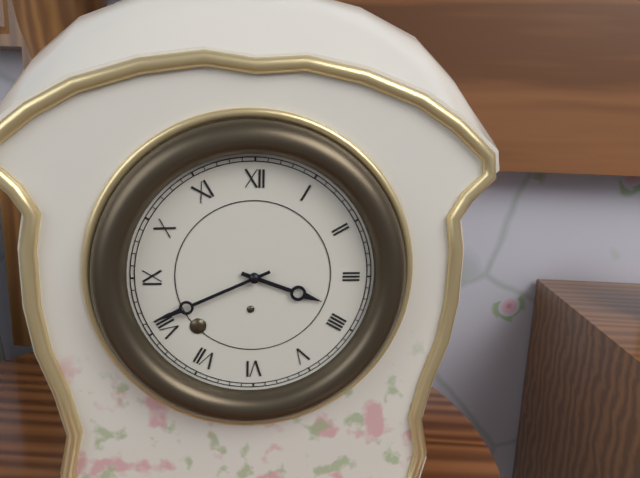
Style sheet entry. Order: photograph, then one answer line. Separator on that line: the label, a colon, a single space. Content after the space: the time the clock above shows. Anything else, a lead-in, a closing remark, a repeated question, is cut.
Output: 3:41
